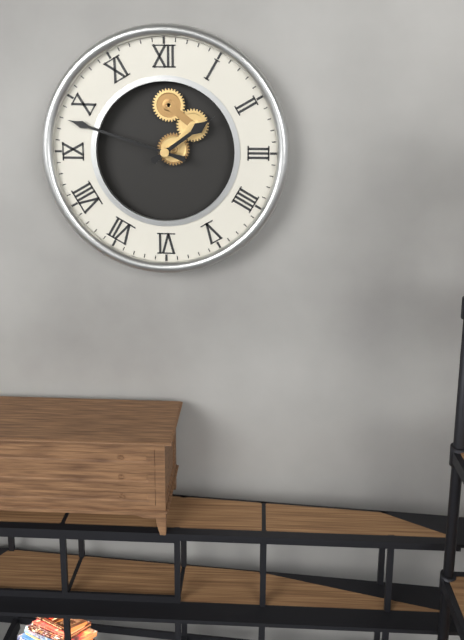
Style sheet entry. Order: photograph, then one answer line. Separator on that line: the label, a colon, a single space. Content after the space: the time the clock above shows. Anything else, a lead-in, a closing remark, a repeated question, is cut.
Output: 1:48
